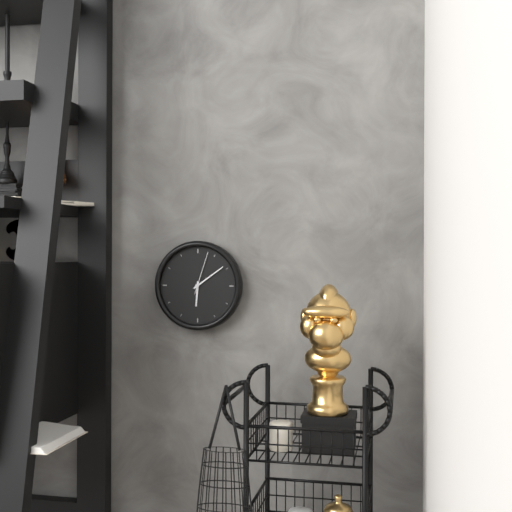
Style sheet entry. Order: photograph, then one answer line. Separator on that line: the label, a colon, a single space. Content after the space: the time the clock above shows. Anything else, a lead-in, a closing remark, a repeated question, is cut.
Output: 6:09
